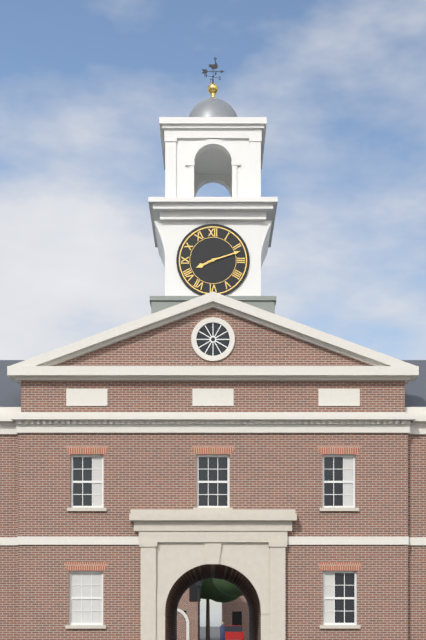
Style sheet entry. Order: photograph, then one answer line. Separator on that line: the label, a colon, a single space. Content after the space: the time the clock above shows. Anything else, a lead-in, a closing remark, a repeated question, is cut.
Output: 8:12
